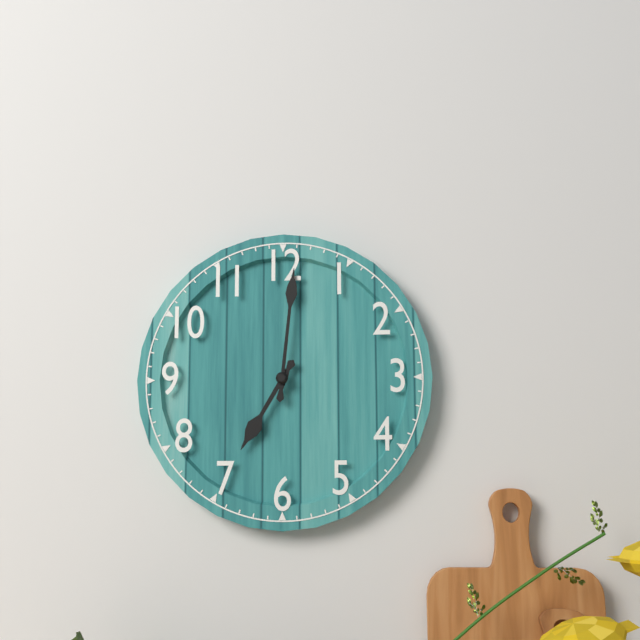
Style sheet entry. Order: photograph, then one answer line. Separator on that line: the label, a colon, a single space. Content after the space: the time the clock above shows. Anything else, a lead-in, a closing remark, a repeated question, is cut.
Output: 7:01
